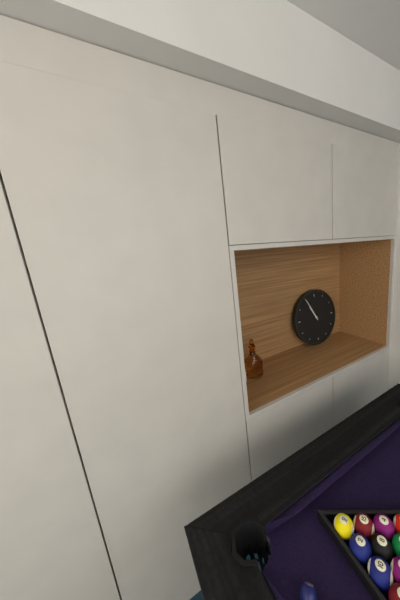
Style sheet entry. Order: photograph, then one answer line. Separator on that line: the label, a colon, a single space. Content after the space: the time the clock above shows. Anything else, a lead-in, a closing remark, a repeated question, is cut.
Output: 10:55
